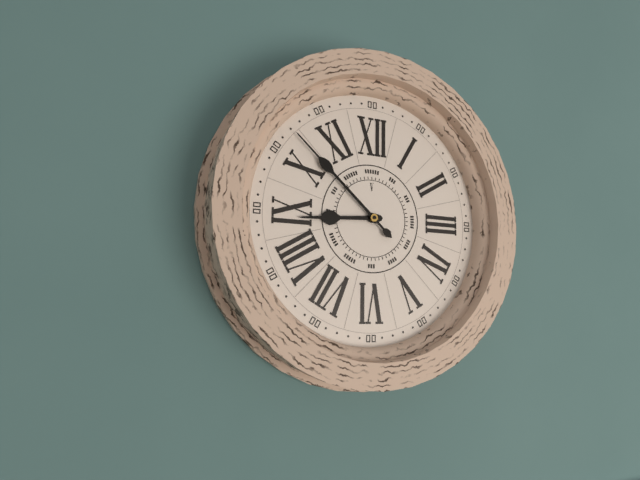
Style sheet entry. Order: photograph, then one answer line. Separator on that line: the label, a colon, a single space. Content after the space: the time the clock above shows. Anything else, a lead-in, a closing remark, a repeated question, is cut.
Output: 8:52
